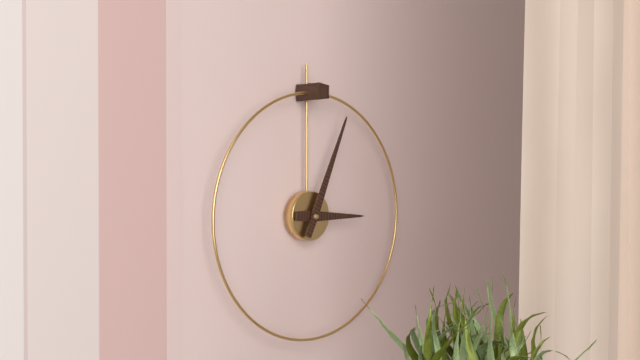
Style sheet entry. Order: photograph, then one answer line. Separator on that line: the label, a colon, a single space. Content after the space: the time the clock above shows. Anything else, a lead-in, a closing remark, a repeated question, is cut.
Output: 3:04
